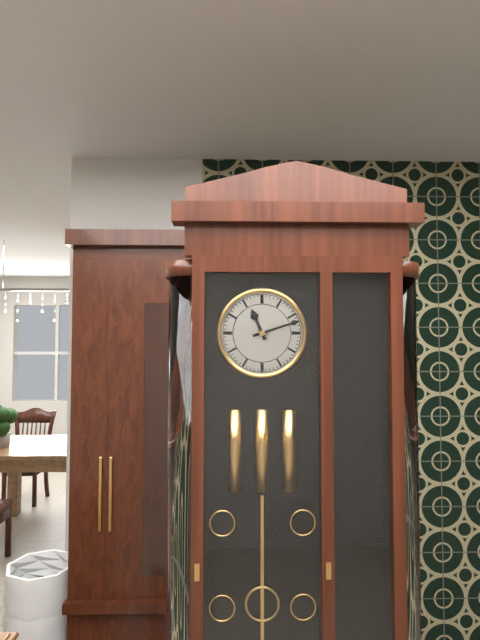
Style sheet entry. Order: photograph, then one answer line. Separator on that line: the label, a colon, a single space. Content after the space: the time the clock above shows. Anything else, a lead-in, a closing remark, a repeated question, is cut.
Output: 11:12
